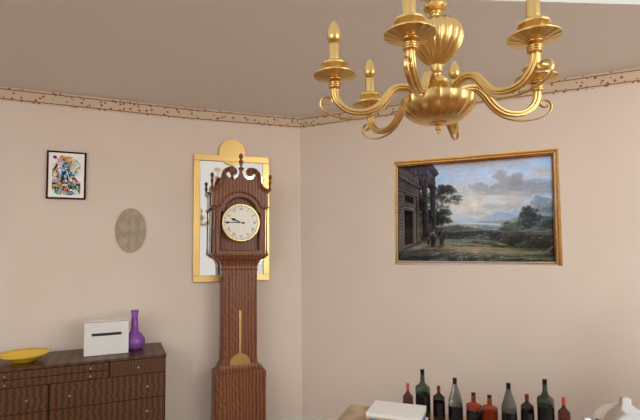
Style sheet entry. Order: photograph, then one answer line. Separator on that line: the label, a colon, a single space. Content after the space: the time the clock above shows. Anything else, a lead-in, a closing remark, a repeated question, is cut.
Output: 9:45
